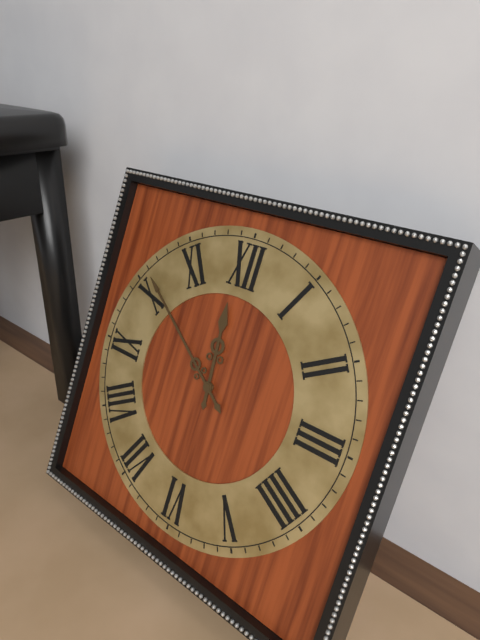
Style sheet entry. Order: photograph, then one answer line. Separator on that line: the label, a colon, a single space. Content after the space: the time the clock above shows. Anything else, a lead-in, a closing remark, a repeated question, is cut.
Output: 11:51
